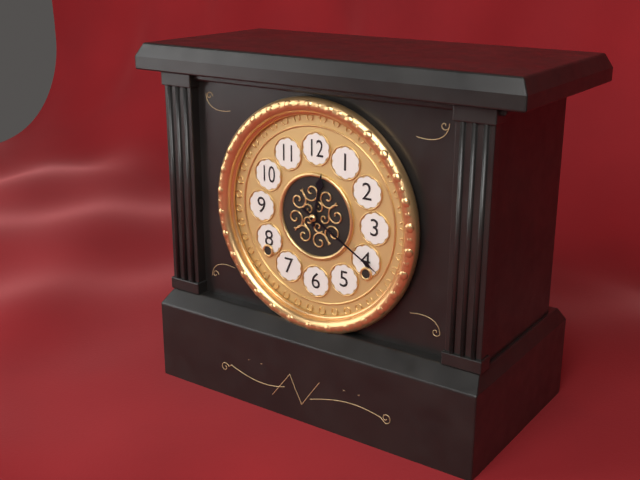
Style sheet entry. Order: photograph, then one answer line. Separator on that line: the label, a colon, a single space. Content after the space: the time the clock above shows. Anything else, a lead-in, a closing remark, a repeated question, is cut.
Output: 12:20
